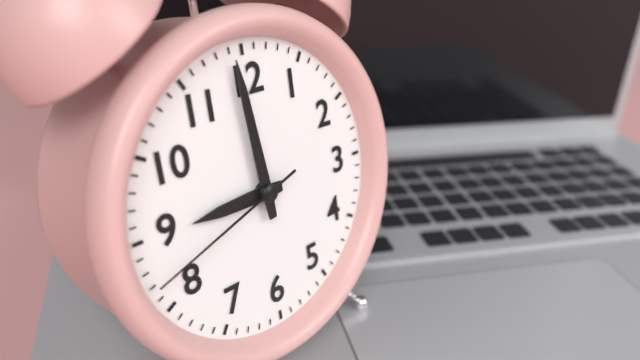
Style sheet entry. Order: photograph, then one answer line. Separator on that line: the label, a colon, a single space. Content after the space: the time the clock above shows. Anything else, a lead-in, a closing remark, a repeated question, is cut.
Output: 8:59:42
